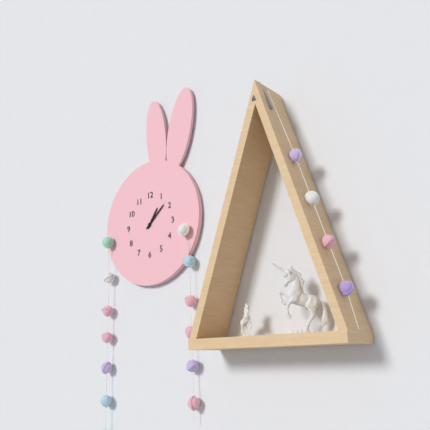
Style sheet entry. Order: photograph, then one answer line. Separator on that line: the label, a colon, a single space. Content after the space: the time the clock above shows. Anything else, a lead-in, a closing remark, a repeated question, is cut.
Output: 1:08
